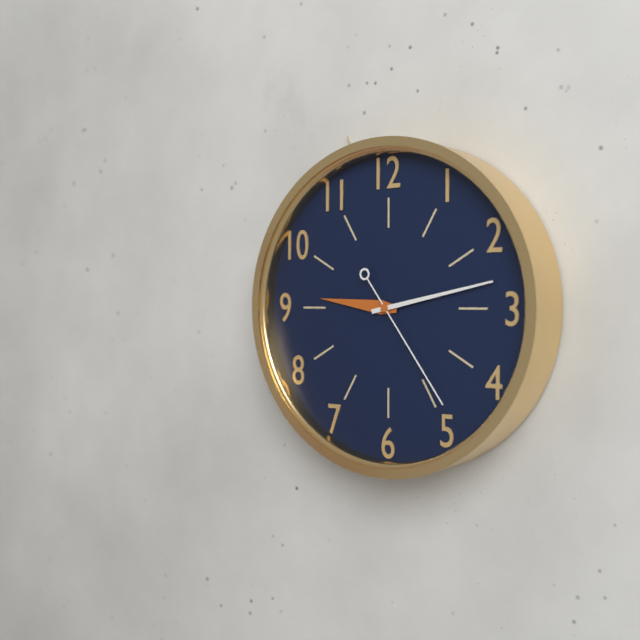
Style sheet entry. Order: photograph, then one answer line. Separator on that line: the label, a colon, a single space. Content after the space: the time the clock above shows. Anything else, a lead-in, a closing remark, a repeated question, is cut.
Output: 9:13:24
